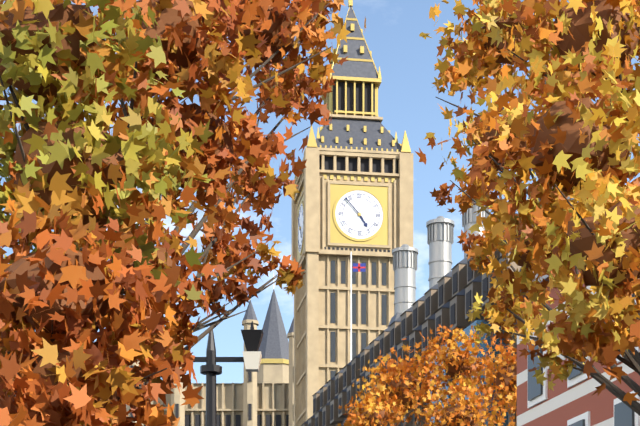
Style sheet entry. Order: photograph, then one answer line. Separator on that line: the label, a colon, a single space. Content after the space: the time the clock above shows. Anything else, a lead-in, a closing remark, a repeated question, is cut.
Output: 4:53
